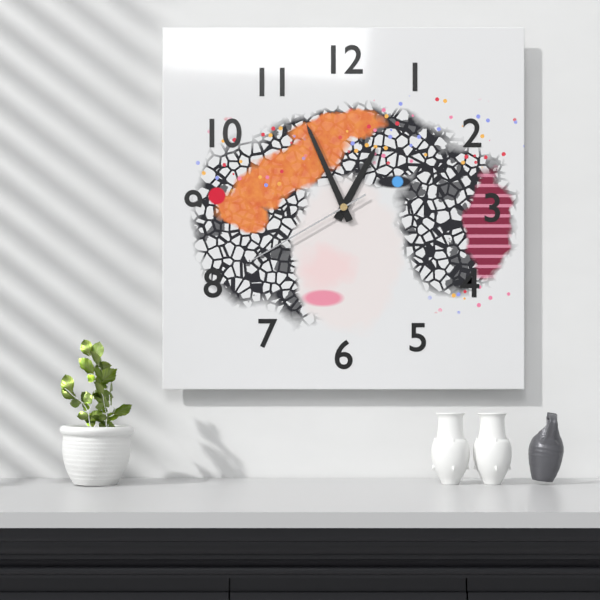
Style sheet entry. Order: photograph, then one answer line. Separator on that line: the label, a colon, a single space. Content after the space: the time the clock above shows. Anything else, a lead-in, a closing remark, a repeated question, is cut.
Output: 12:56:40
